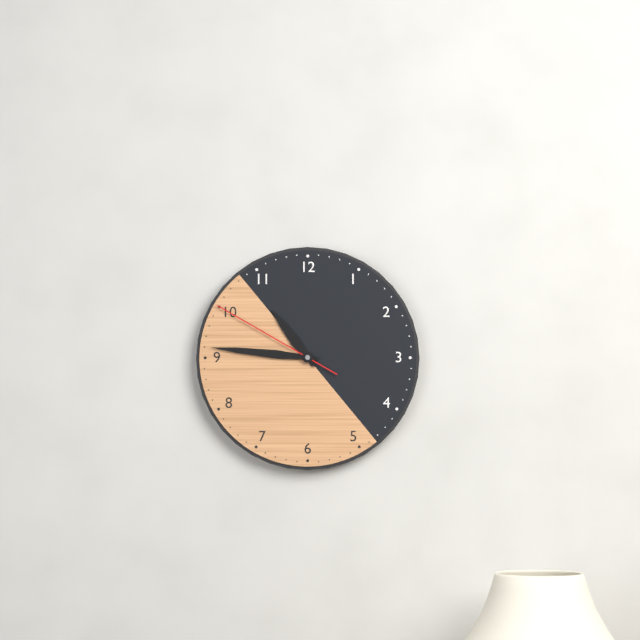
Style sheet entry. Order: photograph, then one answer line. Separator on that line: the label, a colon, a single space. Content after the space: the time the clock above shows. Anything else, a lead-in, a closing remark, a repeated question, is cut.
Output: 10:46:50
